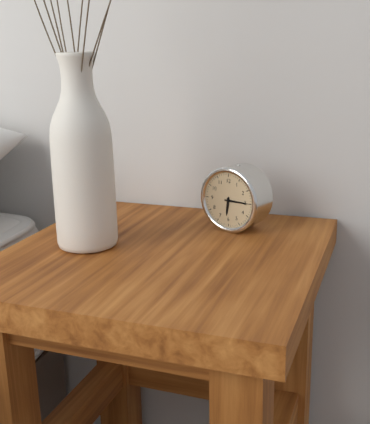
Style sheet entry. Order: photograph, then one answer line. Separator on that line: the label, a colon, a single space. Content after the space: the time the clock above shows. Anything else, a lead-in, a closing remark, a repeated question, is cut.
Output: 6:15
